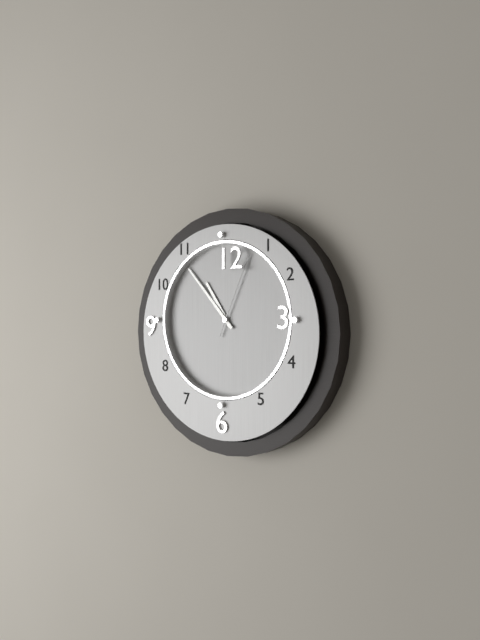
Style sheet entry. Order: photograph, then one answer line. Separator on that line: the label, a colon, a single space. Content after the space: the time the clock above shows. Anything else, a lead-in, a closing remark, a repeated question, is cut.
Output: 10:53:04
